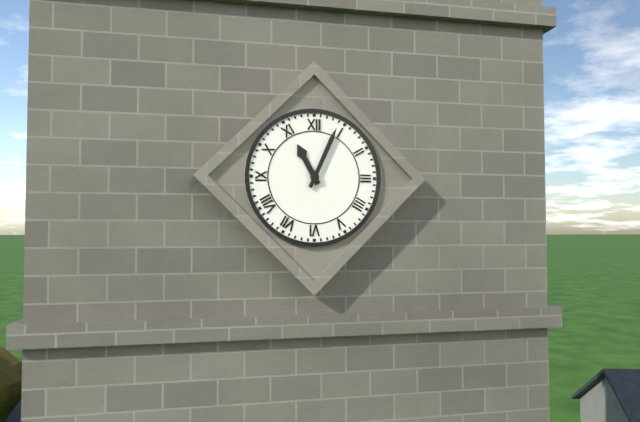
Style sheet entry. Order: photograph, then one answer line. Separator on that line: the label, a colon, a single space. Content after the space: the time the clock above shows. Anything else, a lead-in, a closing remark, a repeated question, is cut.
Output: 11:04
